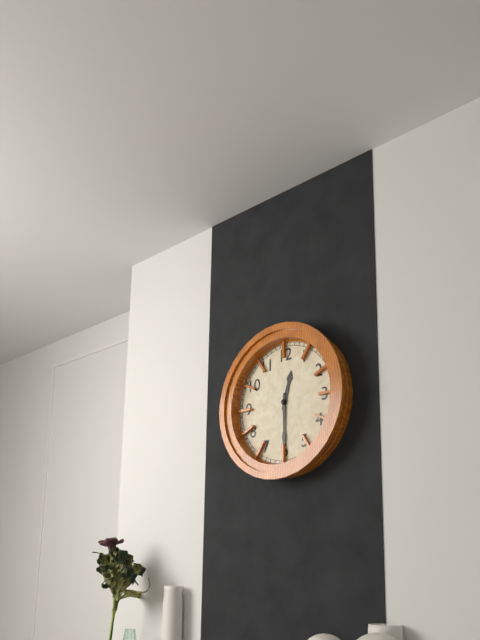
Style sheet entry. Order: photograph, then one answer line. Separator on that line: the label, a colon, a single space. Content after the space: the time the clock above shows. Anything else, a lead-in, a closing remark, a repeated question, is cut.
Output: 12:30
